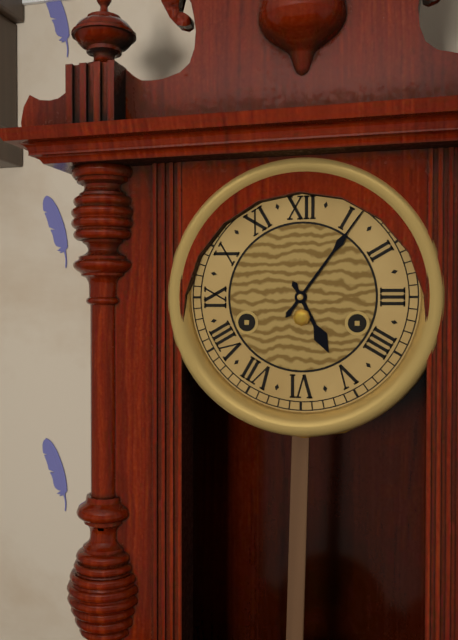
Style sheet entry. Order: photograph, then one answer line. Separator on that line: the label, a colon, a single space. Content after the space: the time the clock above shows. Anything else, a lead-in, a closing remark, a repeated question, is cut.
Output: 5:06
